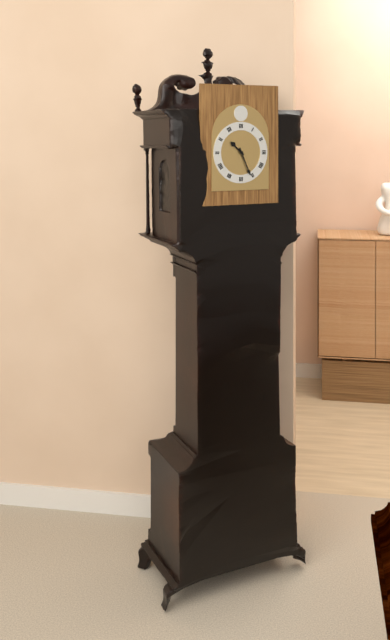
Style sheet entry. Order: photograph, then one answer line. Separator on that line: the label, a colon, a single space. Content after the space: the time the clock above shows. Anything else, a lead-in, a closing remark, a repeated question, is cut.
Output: 10:26
